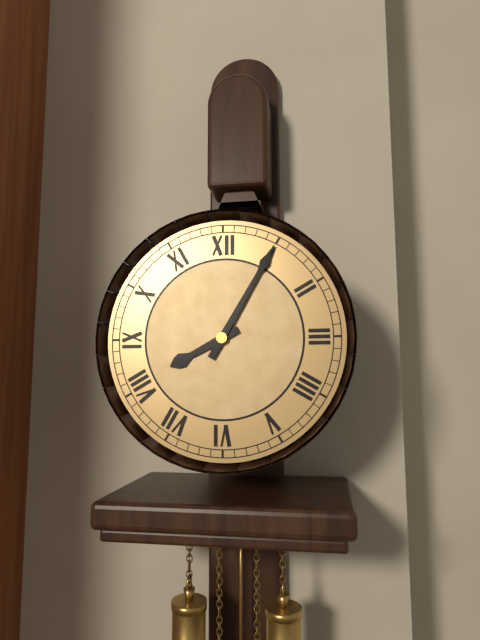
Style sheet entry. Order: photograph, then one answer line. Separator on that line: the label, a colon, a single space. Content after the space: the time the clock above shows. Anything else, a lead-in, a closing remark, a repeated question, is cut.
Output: 8:05
